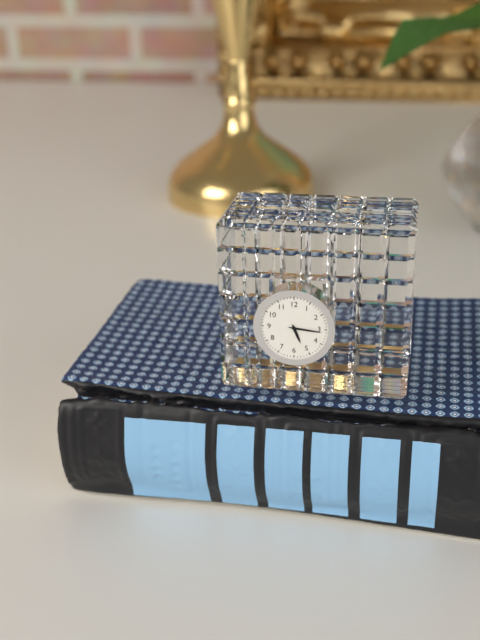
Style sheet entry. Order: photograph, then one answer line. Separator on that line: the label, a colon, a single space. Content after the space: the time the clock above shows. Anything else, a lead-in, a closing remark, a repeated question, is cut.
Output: 5:16
